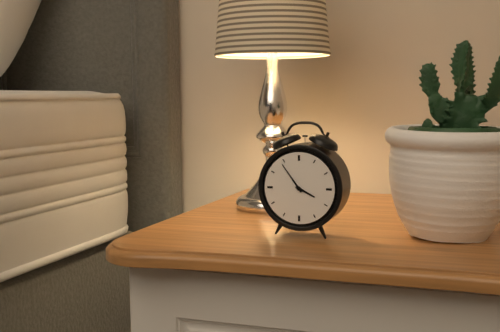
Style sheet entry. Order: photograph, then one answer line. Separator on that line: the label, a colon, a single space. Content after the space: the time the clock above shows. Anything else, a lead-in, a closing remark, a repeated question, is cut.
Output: 3:54
